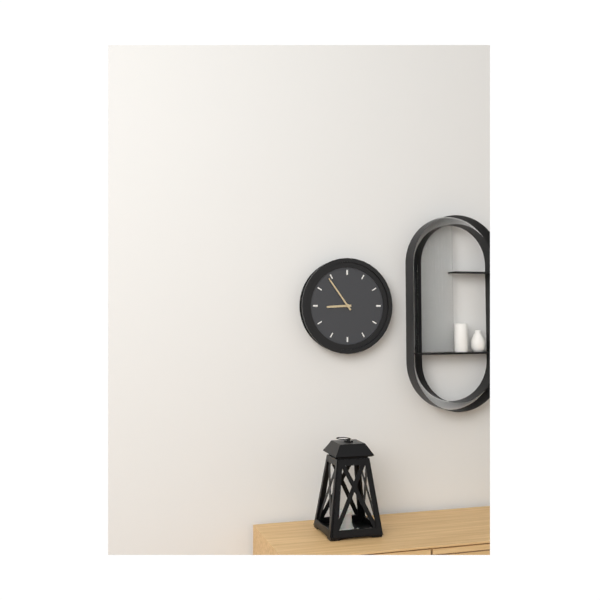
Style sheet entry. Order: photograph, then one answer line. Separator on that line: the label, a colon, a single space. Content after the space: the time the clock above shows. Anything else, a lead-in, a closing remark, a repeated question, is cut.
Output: 8:54
